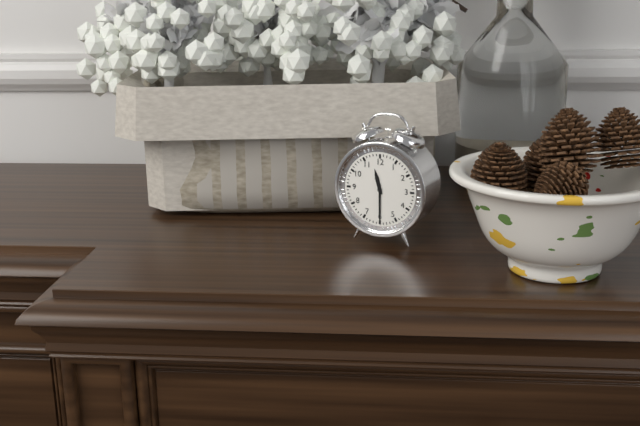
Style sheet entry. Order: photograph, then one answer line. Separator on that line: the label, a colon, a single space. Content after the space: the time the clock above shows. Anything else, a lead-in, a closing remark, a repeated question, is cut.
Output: 11:30
